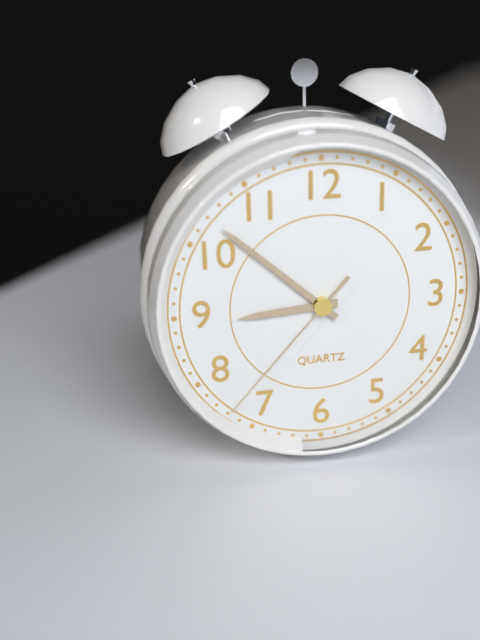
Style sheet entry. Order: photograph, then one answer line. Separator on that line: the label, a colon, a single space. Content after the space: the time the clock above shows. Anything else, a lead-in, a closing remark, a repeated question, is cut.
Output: 8:52:37
